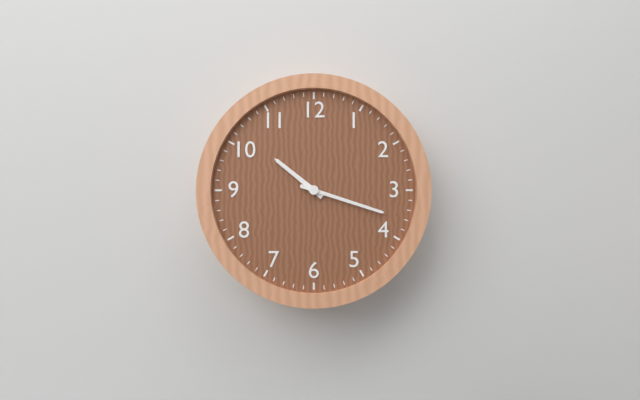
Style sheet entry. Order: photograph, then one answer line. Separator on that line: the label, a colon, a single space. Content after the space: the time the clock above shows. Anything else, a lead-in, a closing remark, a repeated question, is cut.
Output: 10:18
